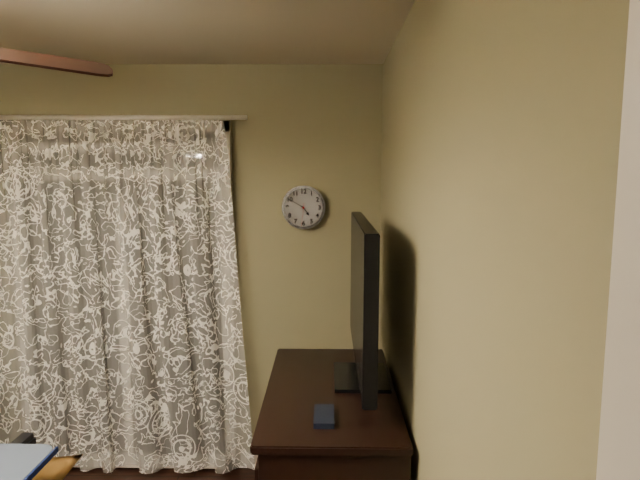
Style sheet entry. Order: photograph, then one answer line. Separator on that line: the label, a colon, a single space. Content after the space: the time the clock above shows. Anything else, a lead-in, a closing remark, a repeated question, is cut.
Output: 4:50
